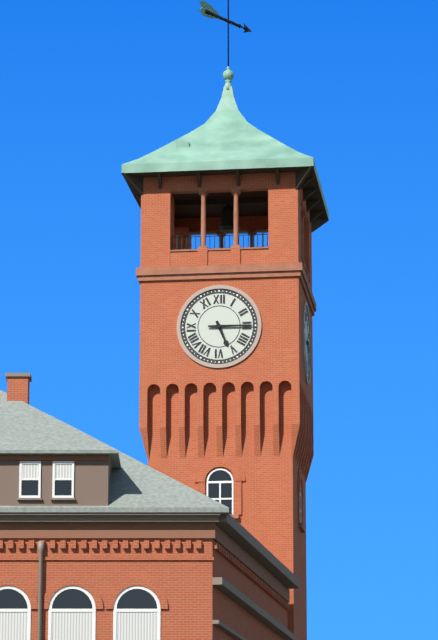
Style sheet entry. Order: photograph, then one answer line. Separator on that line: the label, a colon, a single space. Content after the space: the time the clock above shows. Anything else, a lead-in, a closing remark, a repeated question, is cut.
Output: 5:15
